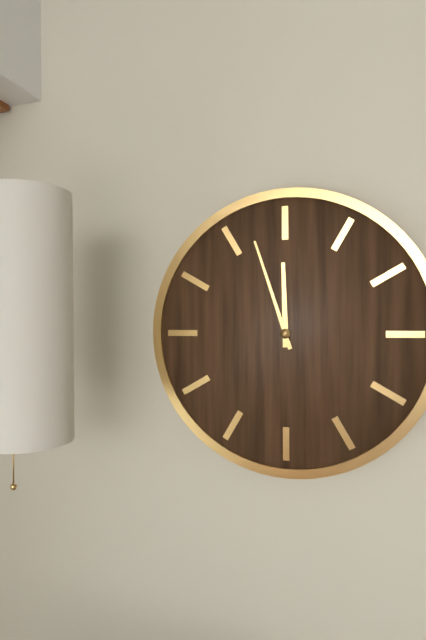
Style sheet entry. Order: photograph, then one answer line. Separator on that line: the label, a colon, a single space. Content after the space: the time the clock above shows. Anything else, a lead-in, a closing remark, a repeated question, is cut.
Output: 11:57
